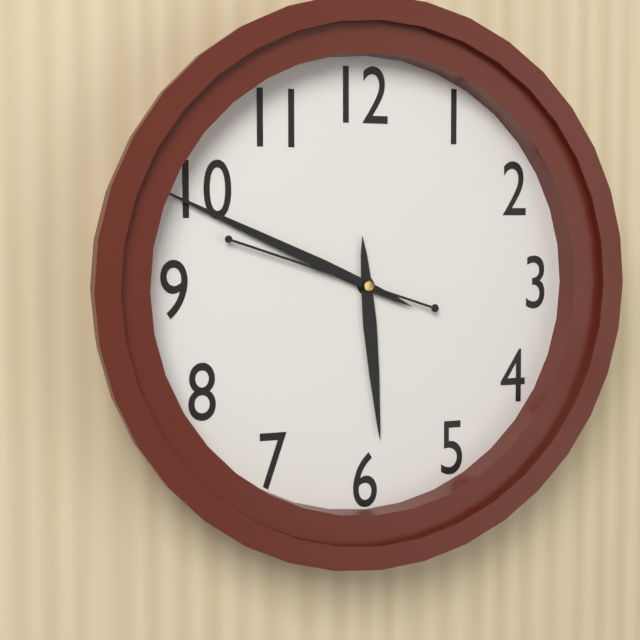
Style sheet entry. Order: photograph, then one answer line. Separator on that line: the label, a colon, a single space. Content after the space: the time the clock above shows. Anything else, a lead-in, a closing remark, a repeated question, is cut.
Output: 5:49:48
